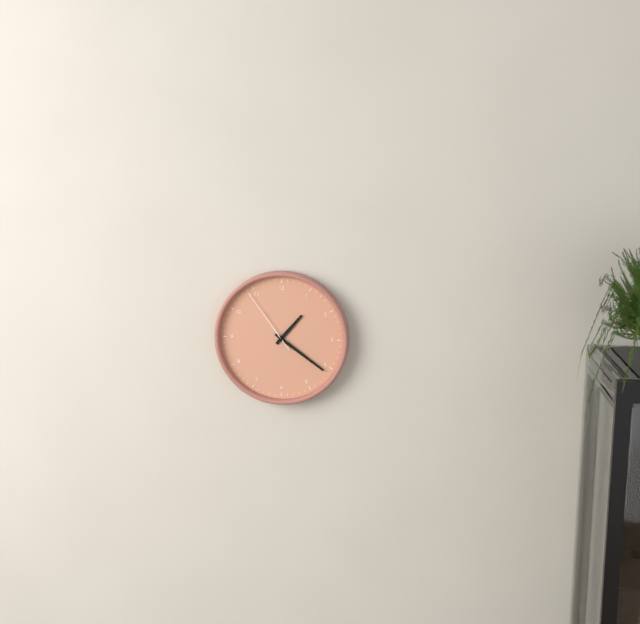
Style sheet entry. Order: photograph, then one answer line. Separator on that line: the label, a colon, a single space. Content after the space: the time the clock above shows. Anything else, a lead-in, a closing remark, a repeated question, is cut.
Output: 1:21:54
